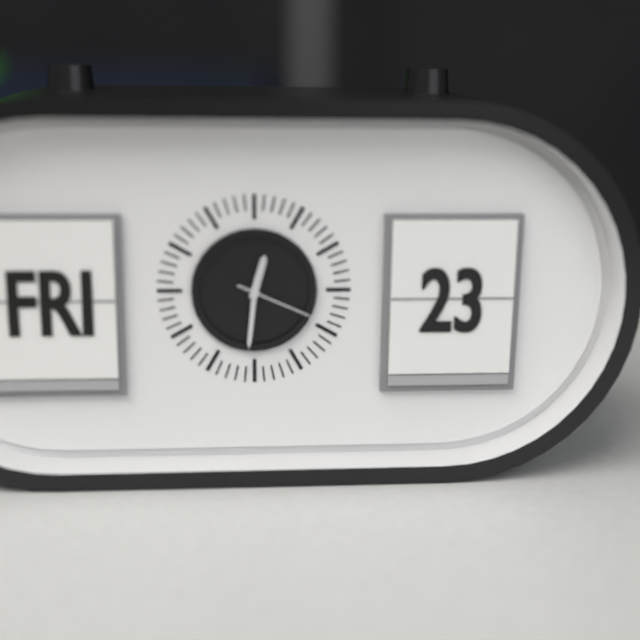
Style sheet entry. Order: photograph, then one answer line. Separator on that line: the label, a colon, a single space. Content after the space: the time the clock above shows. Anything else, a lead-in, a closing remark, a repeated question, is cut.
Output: 12:31:19
